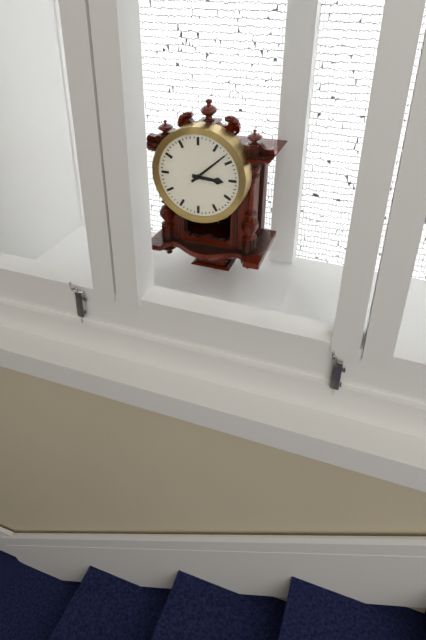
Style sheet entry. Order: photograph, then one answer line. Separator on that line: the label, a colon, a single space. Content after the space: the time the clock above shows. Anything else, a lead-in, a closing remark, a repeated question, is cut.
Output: 3:08
